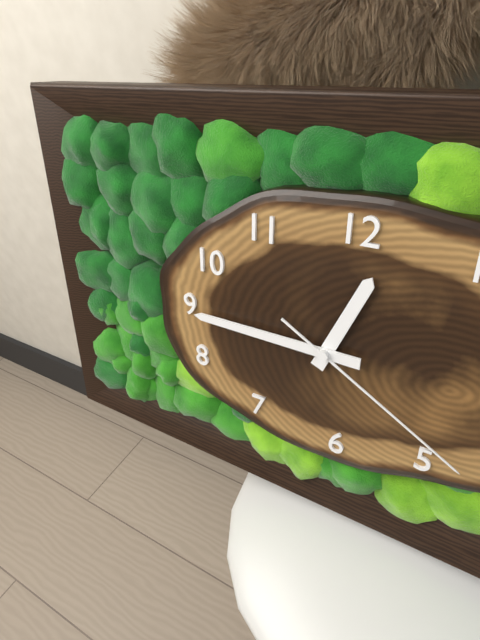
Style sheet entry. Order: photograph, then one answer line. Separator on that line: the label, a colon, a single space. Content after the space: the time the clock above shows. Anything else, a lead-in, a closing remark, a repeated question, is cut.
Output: 12:45:20
